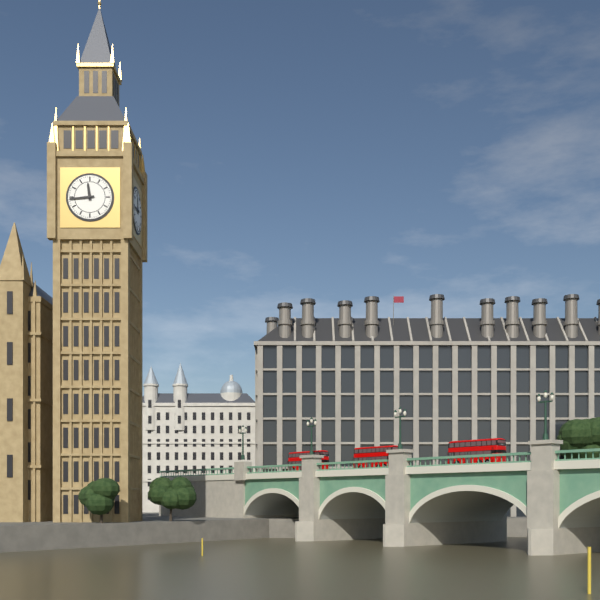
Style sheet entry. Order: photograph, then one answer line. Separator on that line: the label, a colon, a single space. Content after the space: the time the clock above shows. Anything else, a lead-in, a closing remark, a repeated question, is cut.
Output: 11:44
